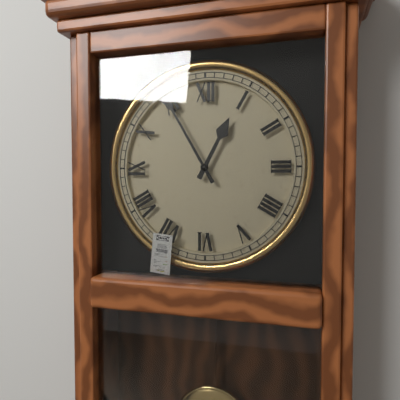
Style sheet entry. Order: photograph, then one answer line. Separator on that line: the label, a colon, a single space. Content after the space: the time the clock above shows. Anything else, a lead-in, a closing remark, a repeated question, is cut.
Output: 12:55
